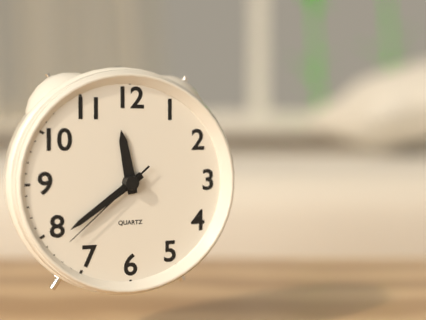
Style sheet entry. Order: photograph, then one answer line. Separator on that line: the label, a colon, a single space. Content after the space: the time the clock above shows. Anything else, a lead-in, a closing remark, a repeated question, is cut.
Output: 11:39:38
